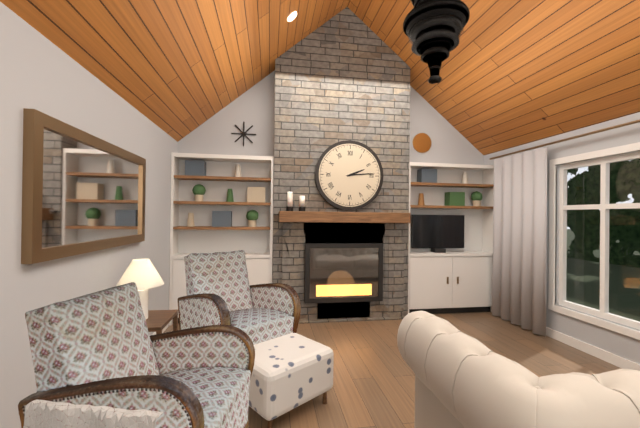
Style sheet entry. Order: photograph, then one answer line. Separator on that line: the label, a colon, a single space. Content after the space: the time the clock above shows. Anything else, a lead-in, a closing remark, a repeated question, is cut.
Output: 2:14
